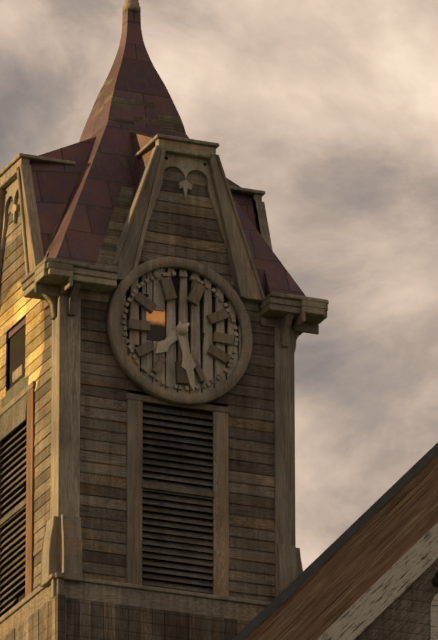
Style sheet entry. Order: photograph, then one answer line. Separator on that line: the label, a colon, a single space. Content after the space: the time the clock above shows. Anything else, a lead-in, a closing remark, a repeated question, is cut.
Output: 7:28
